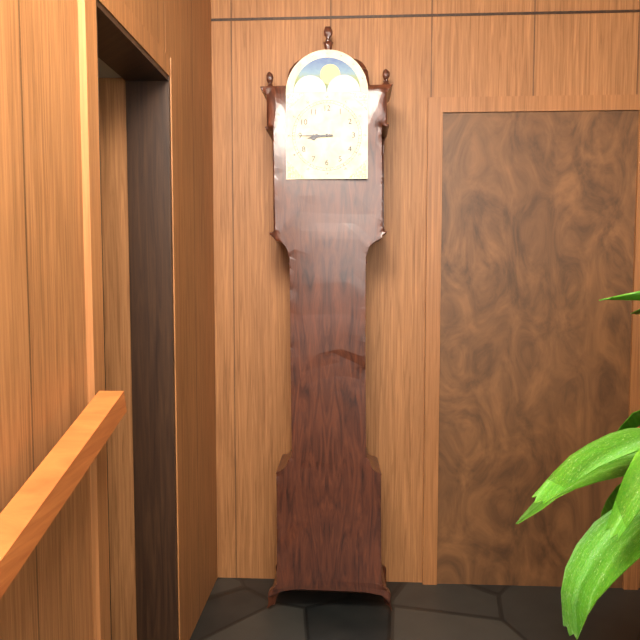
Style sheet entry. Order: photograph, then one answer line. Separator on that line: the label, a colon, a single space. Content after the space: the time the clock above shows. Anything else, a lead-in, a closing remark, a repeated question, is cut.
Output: 8:45
